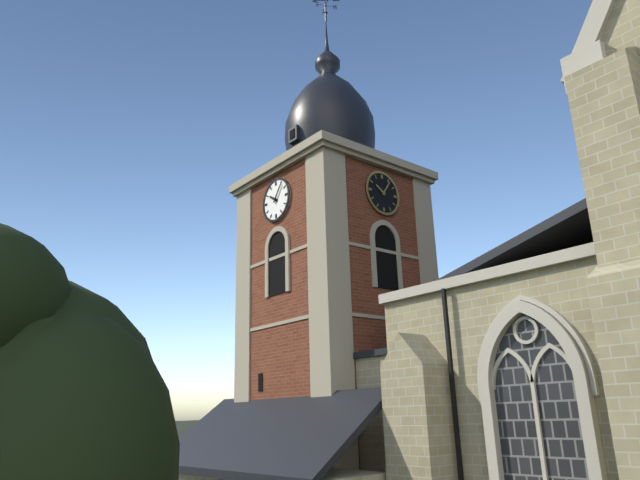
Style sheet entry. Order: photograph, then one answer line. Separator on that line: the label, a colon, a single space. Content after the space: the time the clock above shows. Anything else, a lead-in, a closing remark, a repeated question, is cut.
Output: 10:06
